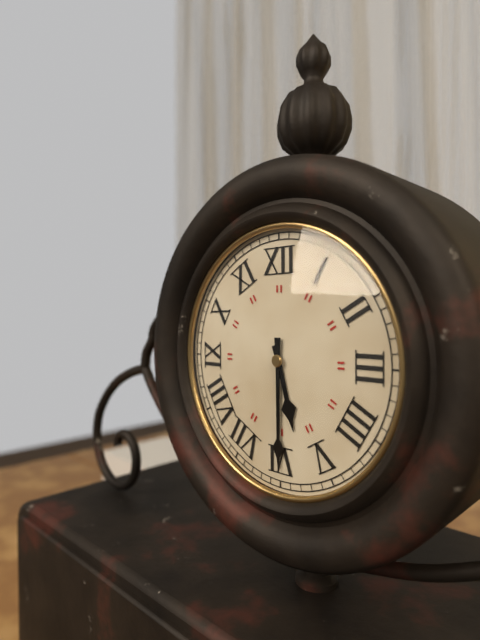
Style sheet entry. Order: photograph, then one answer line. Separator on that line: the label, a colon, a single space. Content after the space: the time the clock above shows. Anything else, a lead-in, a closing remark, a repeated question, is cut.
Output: 5:30
